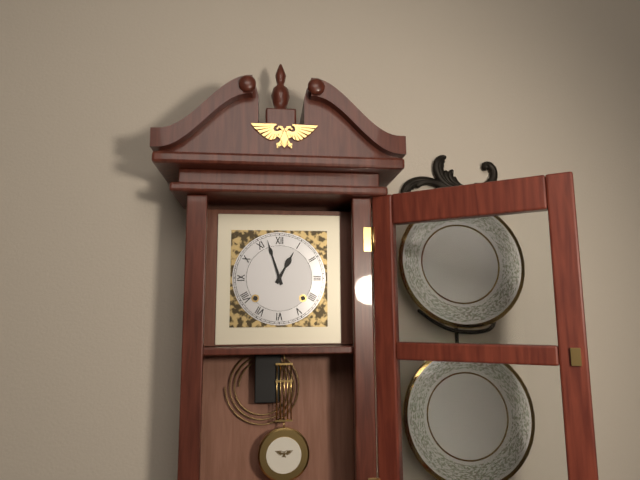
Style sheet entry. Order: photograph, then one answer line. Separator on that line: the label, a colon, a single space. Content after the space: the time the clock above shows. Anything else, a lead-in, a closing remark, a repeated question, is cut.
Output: 12:57
